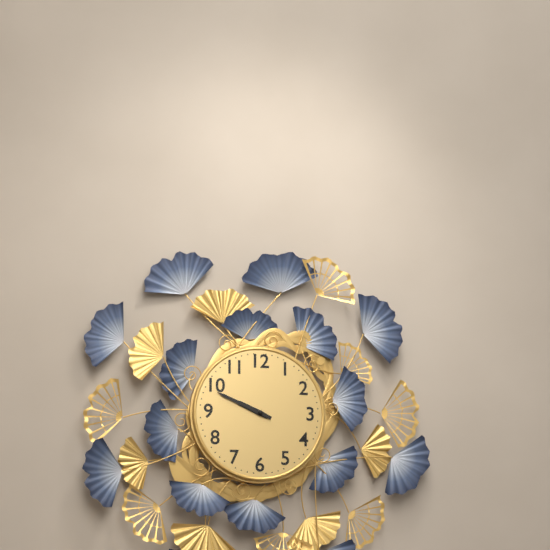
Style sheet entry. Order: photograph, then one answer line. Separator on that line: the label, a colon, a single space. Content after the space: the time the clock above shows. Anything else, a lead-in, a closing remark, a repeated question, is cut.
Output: 9:49
